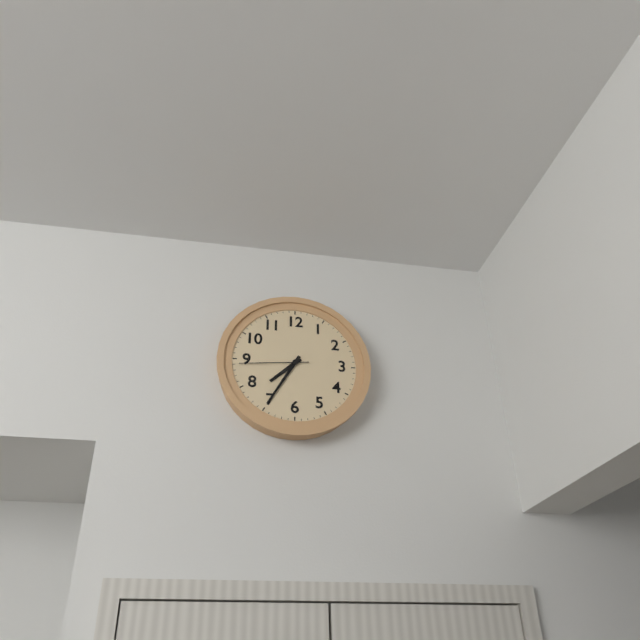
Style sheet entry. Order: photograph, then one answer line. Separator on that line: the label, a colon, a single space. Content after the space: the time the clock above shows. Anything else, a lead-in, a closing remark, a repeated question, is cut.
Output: 7:35:44
